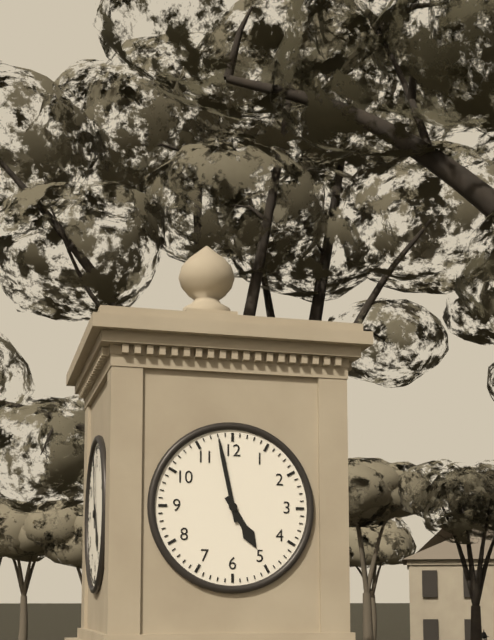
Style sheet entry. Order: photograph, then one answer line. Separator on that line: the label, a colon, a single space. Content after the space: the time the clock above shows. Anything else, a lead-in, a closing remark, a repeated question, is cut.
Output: 4:58
